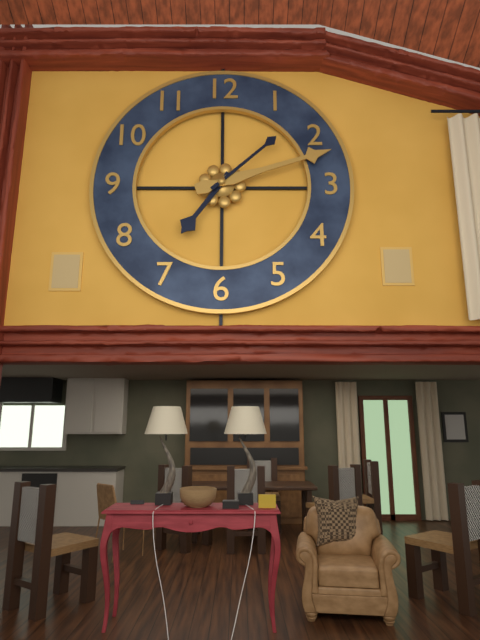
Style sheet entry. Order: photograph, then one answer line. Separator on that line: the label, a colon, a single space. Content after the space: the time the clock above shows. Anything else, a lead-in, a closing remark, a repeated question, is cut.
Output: 7:12:08
